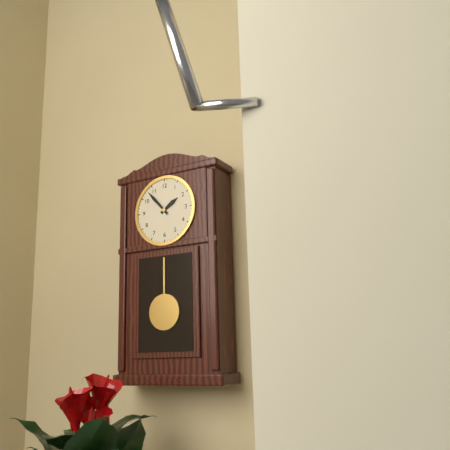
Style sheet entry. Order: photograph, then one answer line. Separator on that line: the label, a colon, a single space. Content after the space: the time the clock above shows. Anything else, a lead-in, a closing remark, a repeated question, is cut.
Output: 1:53
